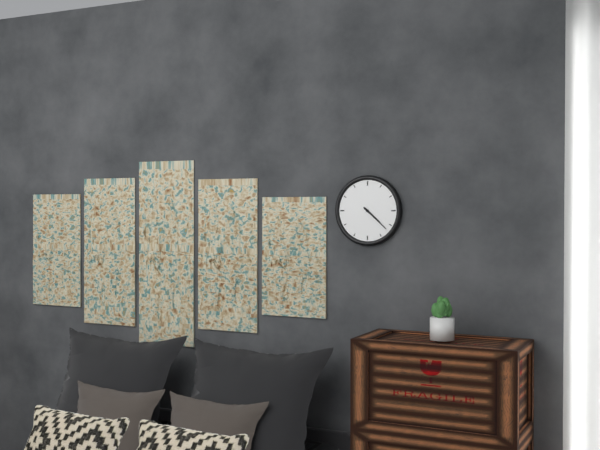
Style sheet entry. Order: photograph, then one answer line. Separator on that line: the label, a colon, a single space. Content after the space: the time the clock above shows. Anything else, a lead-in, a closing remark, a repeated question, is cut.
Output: 4:22
